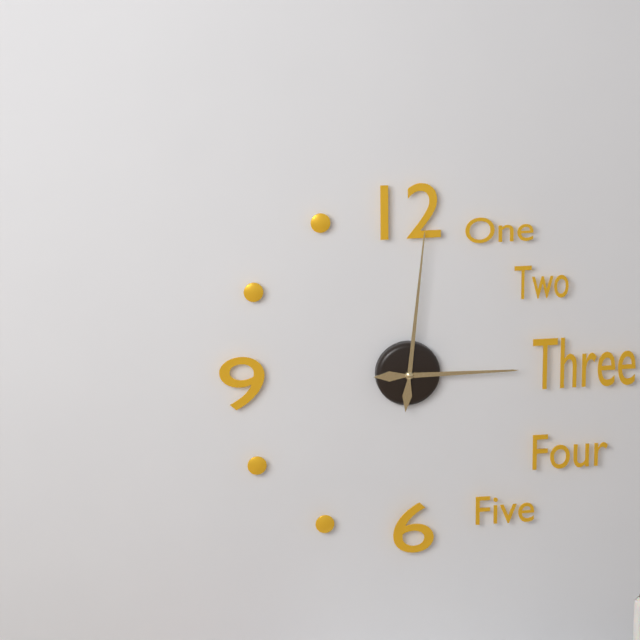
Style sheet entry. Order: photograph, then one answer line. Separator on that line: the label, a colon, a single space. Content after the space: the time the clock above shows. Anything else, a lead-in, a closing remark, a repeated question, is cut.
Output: 3:01
